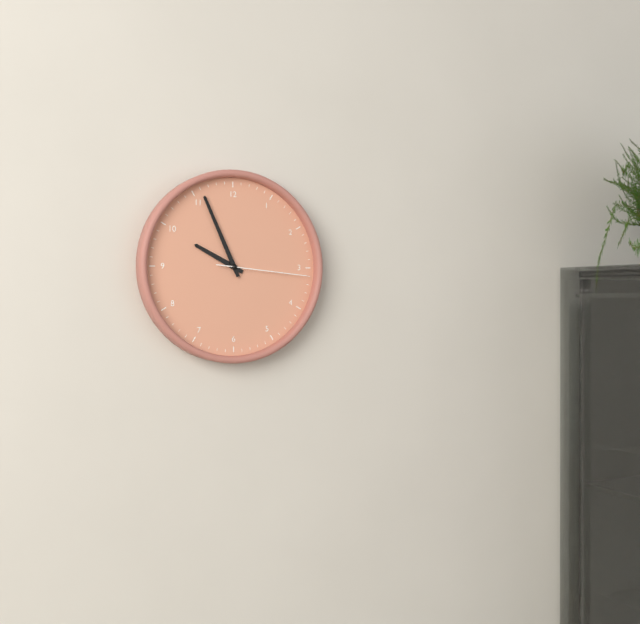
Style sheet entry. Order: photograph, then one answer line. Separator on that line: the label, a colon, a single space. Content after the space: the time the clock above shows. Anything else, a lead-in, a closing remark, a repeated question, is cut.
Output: 9:56:16
